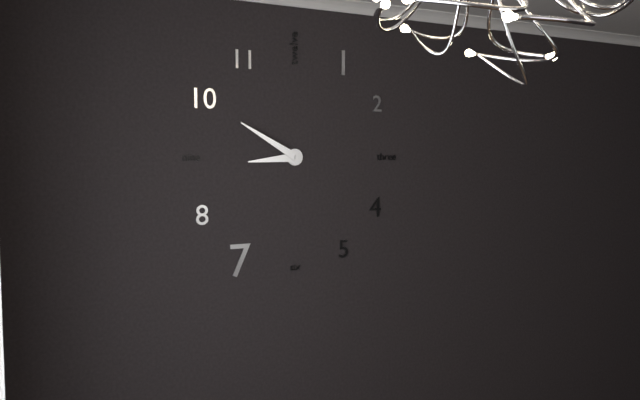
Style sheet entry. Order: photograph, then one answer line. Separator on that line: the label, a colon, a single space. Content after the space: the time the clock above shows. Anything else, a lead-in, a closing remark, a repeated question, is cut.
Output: 8:50
